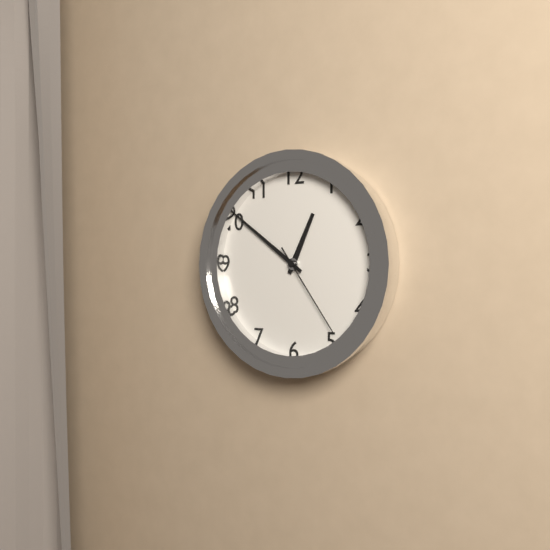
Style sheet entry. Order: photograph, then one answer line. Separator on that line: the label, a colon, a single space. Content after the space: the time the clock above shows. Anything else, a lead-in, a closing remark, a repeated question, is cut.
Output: 12:51:24
